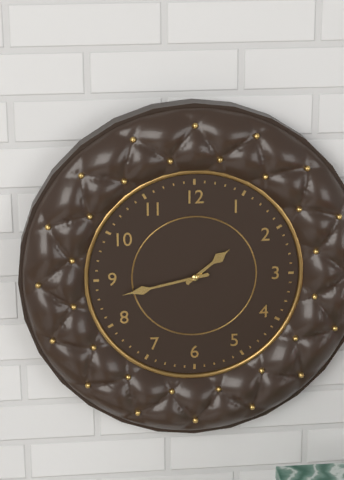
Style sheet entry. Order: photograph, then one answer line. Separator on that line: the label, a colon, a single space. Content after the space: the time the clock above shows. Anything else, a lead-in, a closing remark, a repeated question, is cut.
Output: 1:43
